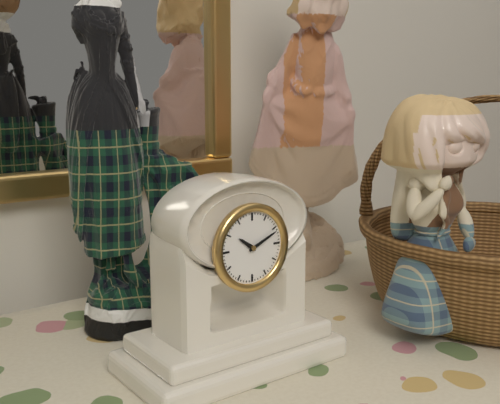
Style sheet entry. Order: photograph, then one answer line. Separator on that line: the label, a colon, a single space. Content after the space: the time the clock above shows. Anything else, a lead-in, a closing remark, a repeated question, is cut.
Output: 10:11
